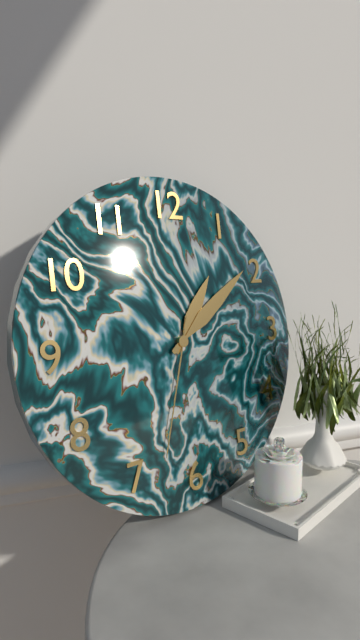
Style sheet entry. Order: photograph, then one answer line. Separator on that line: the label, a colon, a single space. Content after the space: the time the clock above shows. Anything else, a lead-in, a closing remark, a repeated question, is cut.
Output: 1:09:33
